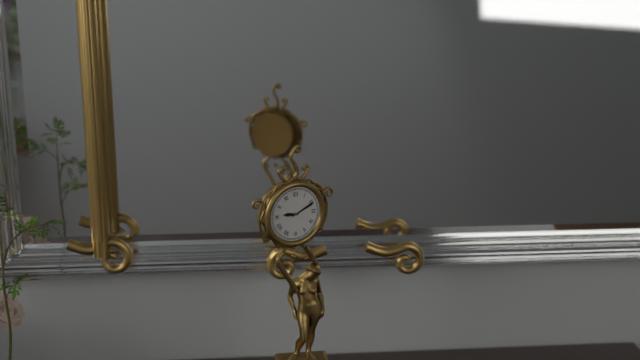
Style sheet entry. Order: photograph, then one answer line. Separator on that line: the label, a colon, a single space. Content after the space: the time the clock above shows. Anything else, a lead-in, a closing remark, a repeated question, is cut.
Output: 9:11
